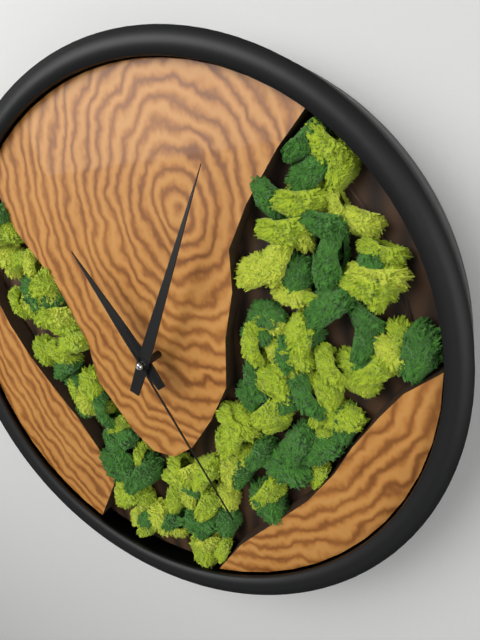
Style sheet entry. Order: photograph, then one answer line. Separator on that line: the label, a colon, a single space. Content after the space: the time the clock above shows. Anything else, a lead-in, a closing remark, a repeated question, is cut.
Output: 11:05:26
